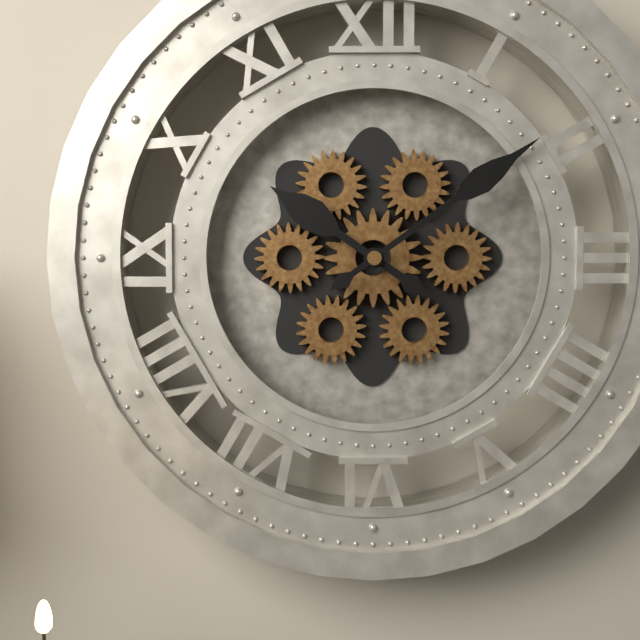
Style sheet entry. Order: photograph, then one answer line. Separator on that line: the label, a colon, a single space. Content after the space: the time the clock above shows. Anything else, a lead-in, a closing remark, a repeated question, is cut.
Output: 10:09
